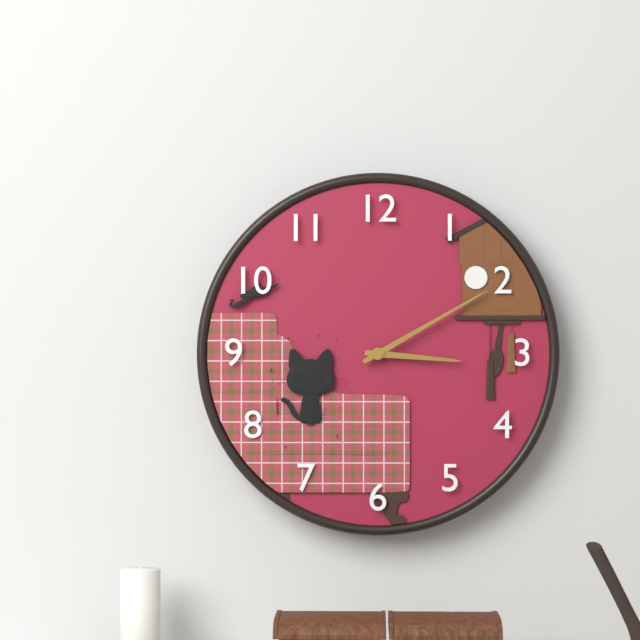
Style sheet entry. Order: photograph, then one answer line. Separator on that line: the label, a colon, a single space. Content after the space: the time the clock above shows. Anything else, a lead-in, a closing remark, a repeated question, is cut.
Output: 3:10
